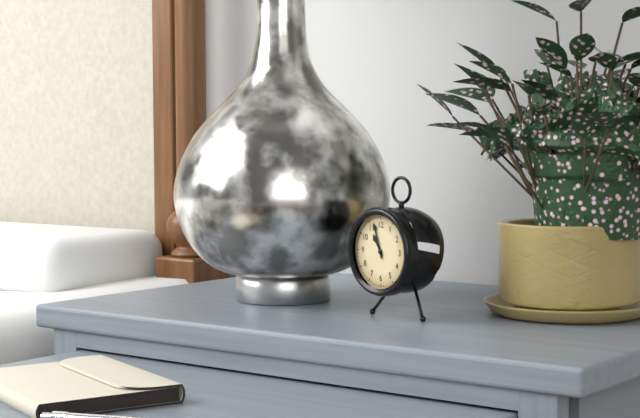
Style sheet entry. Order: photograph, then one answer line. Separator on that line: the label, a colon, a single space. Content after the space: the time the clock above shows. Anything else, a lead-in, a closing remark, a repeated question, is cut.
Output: 10:57
